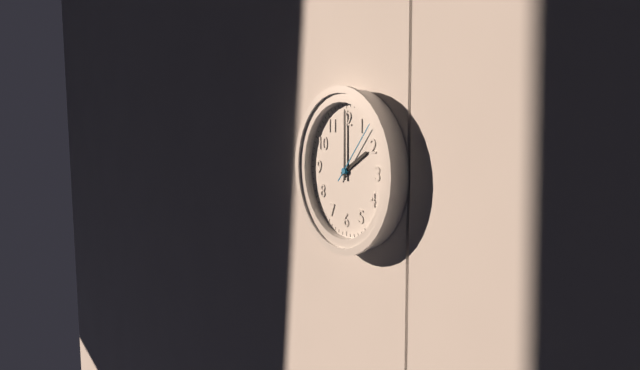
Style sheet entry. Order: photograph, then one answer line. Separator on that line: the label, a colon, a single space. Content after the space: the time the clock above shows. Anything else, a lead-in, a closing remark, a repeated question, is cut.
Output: 2:00:07
